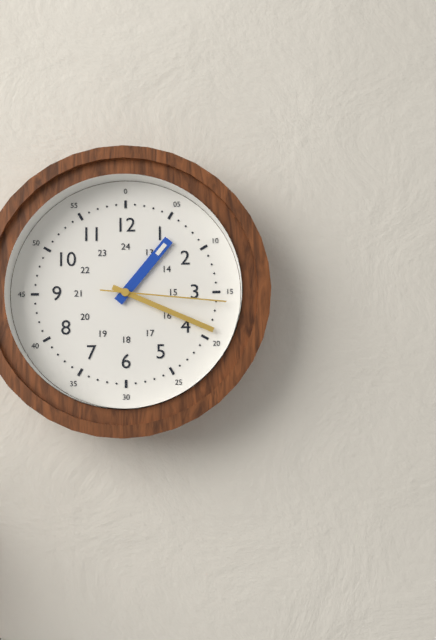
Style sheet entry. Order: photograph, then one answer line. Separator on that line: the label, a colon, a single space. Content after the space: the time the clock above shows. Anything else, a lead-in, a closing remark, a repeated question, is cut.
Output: 1:19:16
